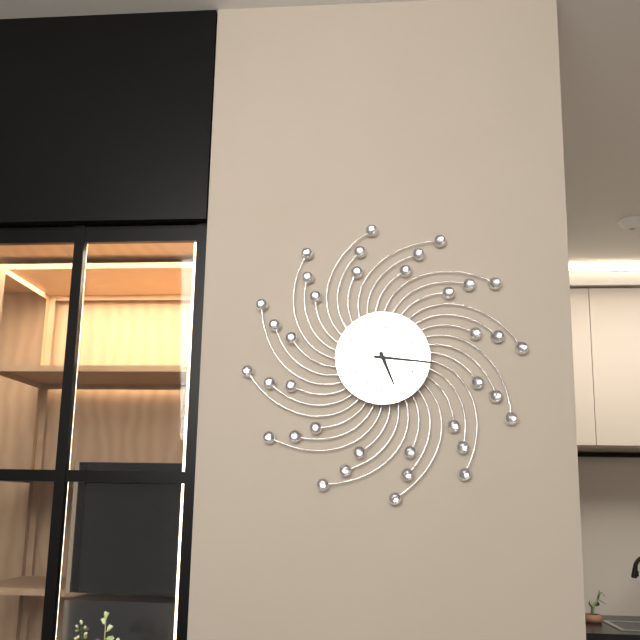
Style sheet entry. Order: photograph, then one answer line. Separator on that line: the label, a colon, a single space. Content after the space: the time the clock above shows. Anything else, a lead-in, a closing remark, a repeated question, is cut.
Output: 5:16
